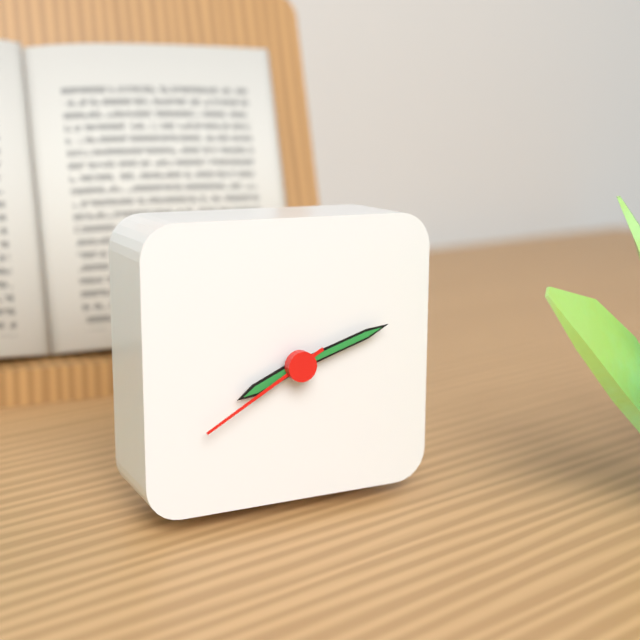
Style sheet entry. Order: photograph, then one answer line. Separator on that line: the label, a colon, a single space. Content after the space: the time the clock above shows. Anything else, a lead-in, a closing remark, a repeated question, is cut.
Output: 8:12:40
